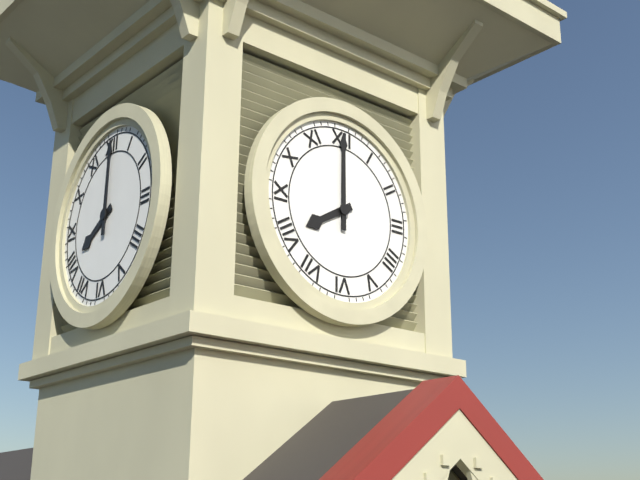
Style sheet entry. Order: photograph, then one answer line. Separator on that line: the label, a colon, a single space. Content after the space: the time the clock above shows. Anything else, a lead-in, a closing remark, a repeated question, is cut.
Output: 8:00
